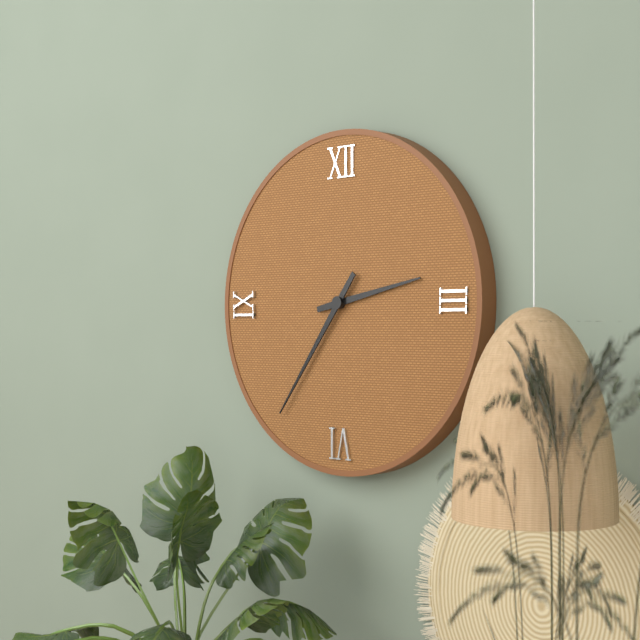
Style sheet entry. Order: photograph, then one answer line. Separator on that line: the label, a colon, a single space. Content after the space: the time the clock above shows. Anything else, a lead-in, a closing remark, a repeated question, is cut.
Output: 2:36
